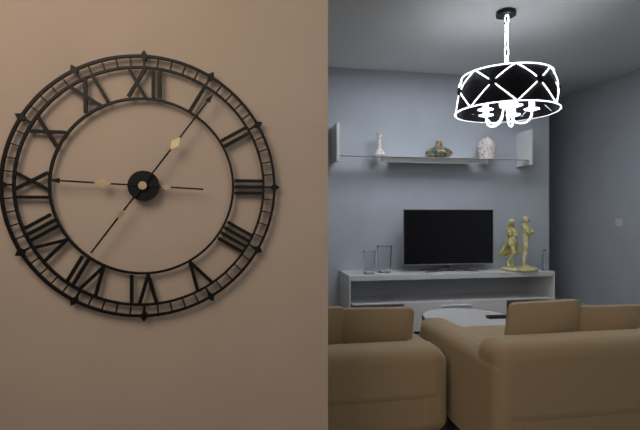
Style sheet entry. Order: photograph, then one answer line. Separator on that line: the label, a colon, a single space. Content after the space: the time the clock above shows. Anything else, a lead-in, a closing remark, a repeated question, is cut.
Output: 9:06
